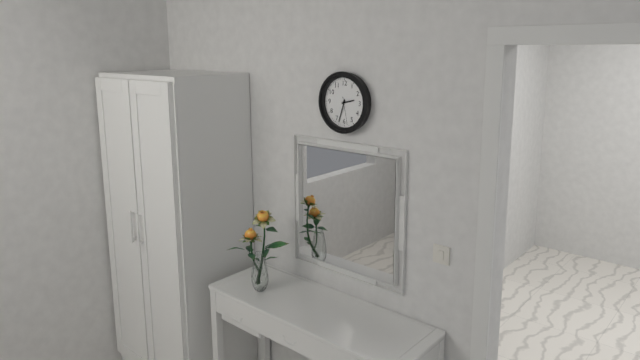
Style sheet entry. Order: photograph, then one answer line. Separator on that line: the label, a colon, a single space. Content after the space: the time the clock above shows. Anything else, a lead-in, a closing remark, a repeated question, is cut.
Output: 2:33
